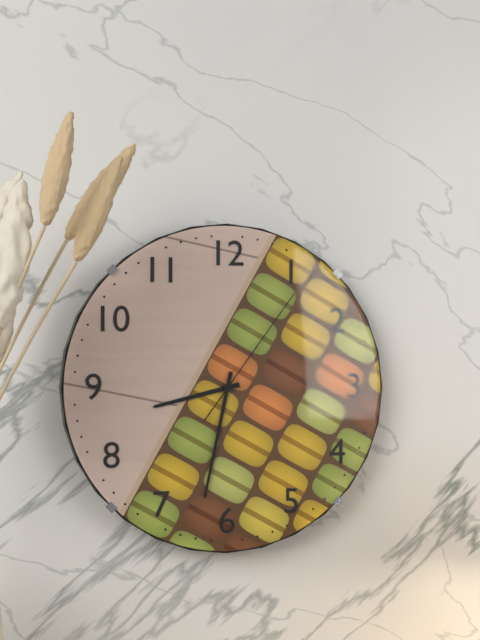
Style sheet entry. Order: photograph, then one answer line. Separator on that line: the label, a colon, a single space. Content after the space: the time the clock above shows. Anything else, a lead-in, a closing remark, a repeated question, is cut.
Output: 8:32:06
